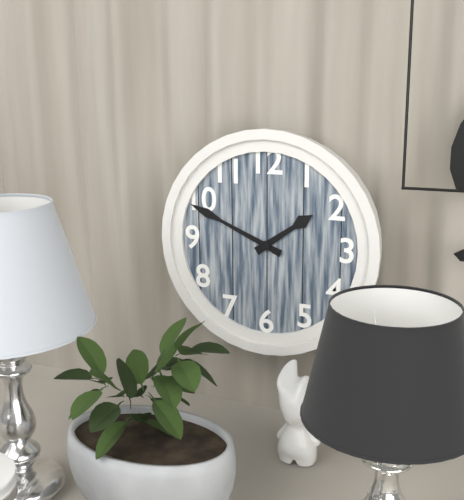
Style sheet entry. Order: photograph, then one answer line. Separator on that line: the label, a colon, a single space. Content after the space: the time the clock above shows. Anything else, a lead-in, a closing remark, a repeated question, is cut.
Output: 1:49
